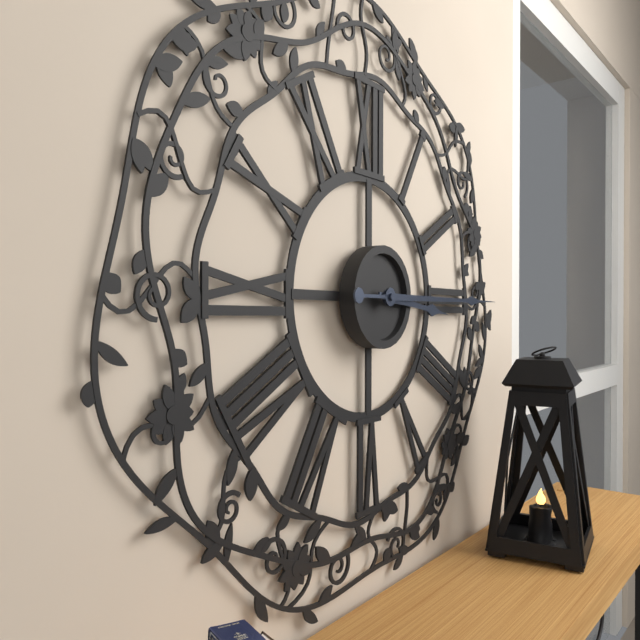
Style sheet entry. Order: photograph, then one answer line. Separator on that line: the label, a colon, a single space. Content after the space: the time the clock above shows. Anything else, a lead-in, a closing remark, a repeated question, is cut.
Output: 3:15
